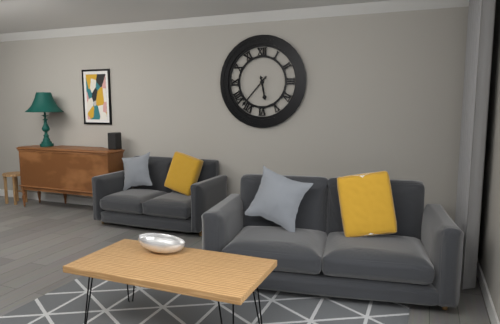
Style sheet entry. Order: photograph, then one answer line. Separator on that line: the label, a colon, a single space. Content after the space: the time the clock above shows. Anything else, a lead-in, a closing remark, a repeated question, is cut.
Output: 5:37
